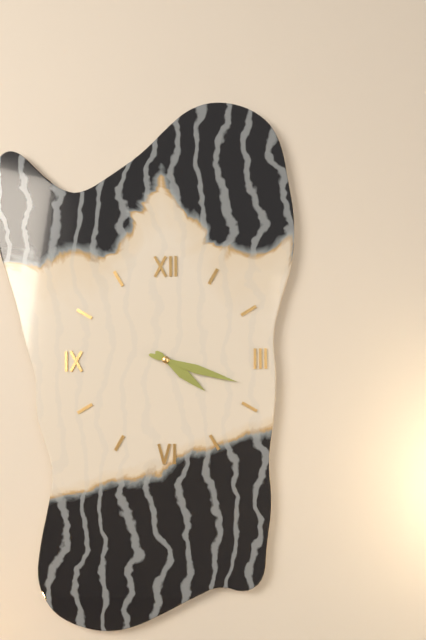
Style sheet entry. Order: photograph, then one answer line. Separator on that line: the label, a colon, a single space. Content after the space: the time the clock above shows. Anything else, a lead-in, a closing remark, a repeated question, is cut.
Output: 4:18
